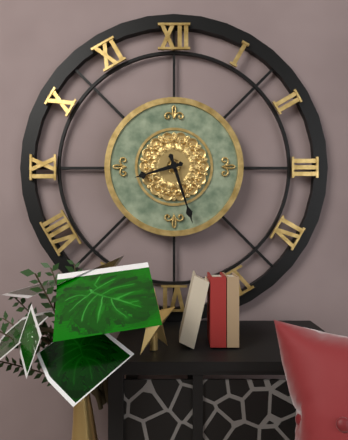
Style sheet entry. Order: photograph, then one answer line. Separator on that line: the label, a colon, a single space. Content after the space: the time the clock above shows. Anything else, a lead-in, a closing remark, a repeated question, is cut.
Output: 8:27
